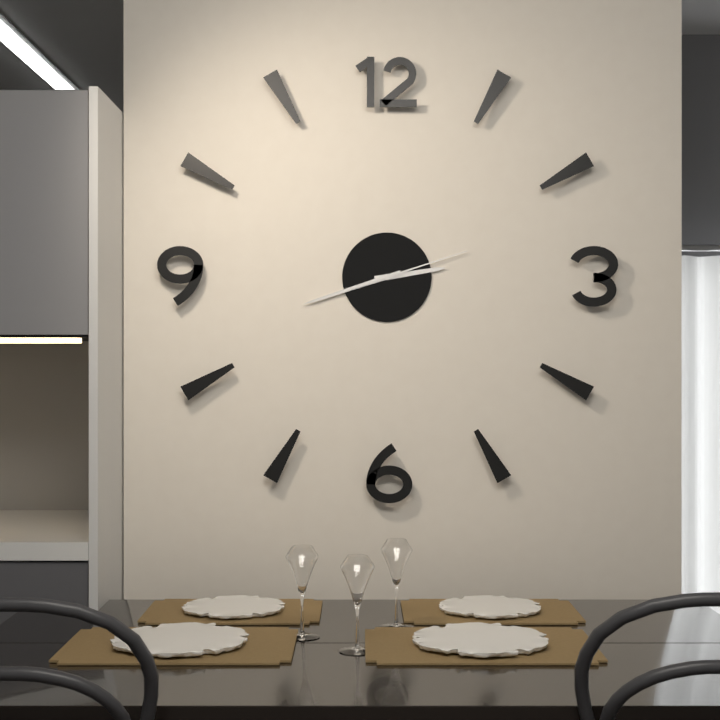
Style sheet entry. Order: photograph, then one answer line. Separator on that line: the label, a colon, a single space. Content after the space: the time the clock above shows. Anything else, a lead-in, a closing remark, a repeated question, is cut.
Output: 2:42:12
